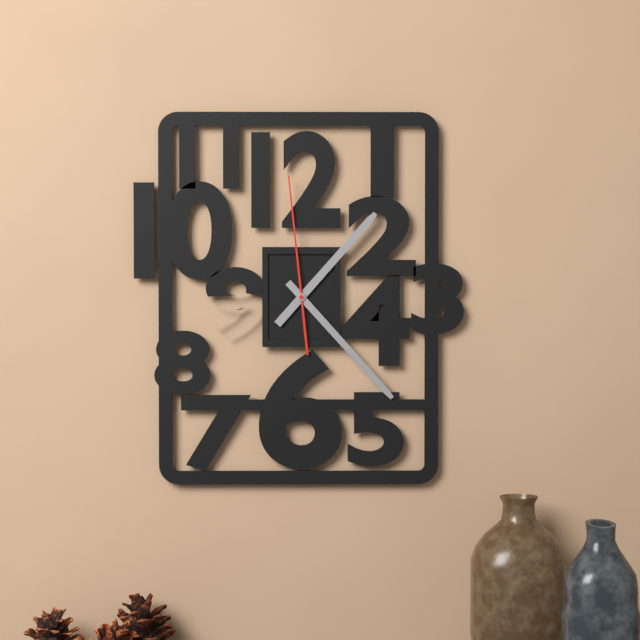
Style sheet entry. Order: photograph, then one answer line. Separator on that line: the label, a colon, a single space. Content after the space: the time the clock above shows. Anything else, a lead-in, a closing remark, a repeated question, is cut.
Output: 1:23:59
